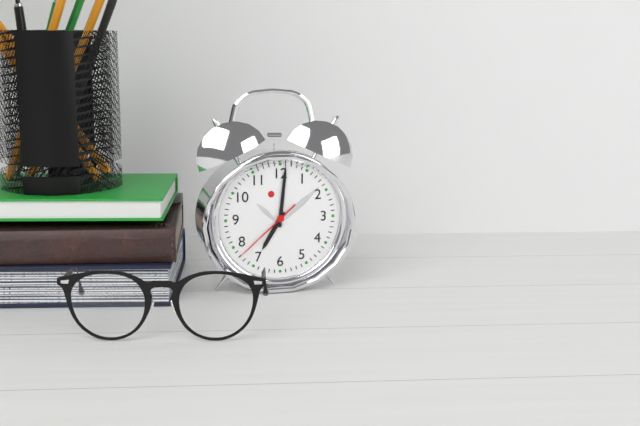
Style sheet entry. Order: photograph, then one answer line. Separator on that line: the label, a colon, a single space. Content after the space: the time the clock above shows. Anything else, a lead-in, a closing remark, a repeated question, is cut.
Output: 7:01:38
